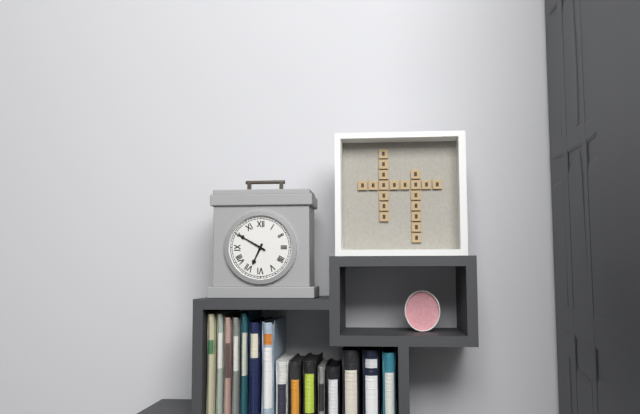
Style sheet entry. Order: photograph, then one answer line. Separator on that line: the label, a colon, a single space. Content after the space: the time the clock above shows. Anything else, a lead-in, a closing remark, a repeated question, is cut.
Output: 6:50
